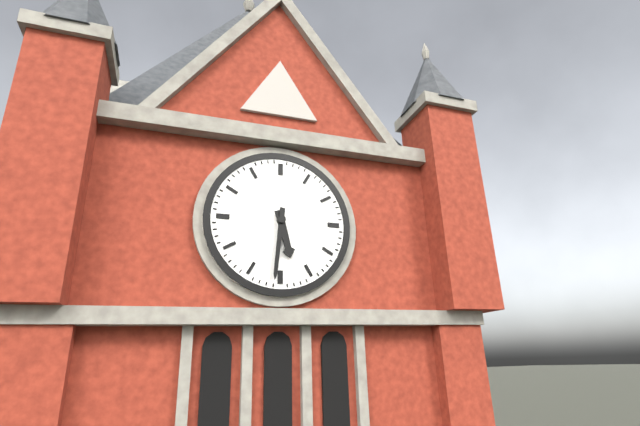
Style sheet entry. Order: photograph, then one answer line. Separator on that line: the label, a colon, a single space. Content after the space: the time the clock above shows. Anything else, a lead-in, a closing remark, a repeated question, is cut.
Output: 5:31
